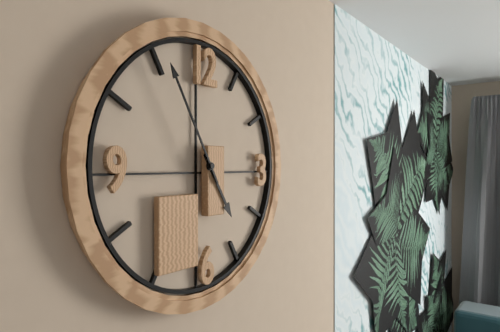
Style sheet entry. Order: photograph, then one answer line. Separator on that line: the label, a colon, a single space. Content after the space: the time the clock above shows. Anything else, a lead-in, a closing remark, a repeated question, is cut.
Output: 4:55
